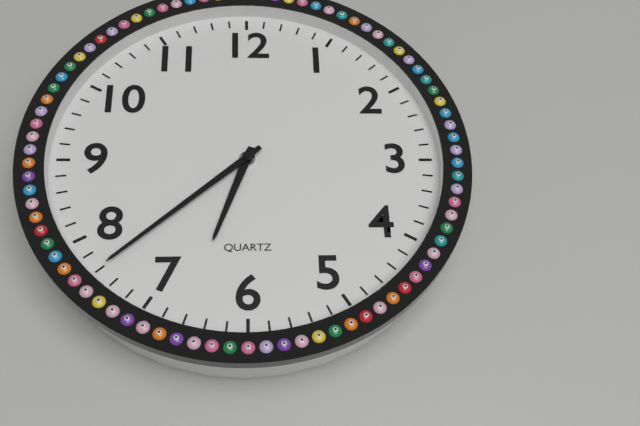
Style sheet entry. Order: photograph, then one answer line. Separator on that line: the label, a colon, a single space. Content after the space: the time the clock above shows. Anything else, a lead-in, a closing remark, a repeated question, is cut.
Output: 6:38
